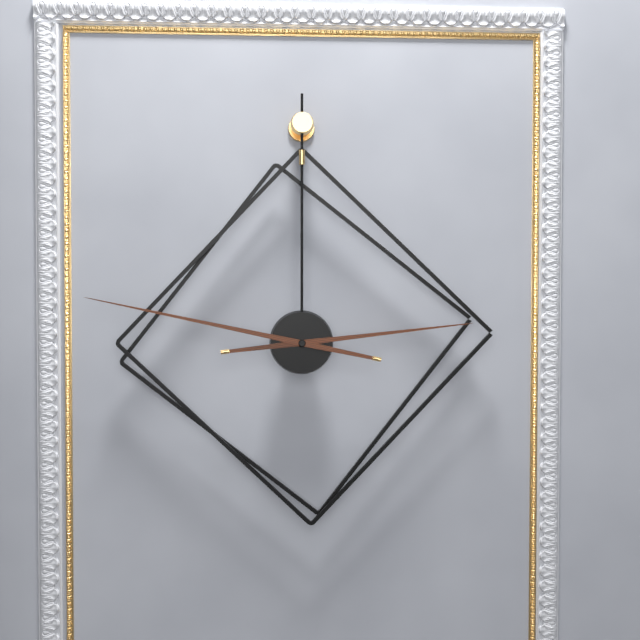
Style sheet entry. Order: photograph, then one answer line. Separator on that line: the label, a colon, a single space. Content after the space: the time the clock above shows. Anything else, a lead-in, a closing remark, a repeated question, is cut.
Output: 2:47
